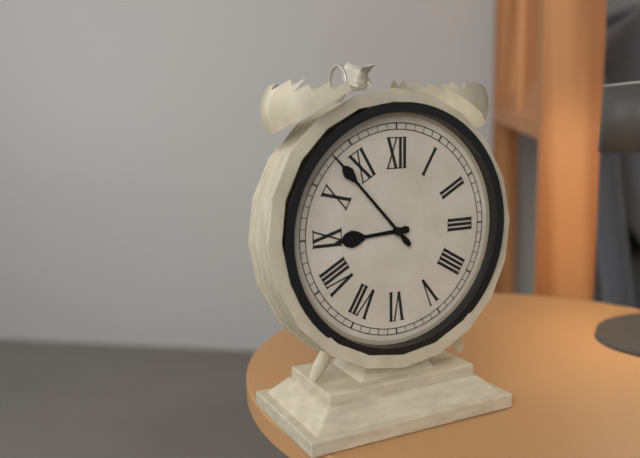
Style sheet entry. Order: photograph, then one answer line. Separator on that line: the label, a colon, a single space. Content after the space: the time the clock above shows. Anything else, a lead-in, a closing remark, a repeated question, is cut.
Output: 8:53
